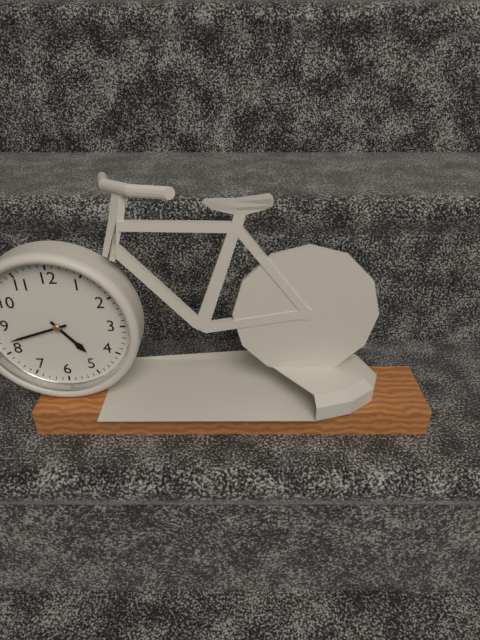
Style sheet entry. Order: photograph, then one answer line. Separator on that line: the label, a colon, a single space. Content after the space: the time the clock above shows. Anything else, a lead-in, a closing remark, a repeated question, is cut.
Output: 4:42
